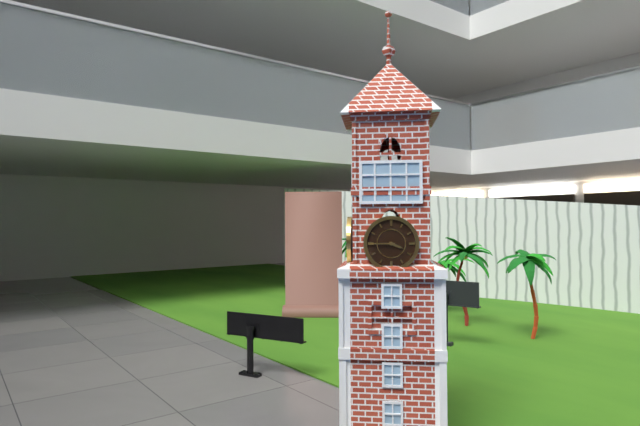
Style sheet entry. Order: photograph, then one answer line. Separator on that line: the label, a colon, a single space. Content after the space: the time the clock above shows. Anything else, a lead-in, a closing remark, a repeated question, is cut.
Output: 3:45
